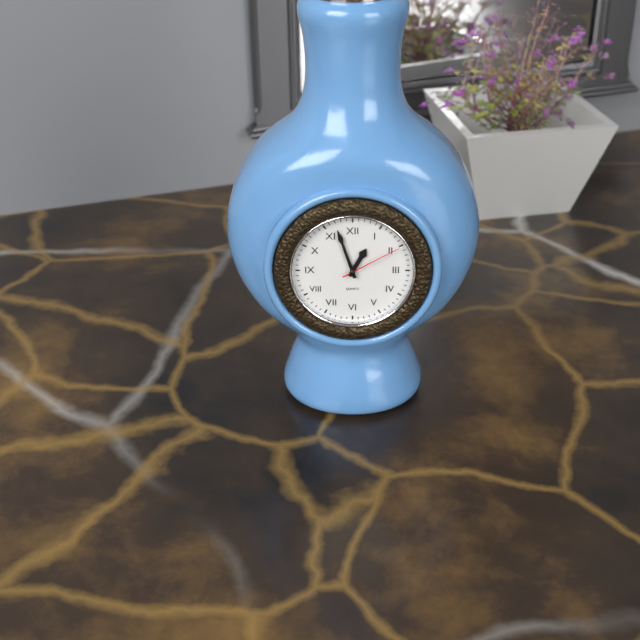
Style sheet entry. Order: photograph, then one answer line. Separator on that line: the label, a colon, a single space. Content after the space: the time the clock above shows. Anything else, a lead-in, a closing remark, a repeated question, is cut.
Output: 12:57:10
